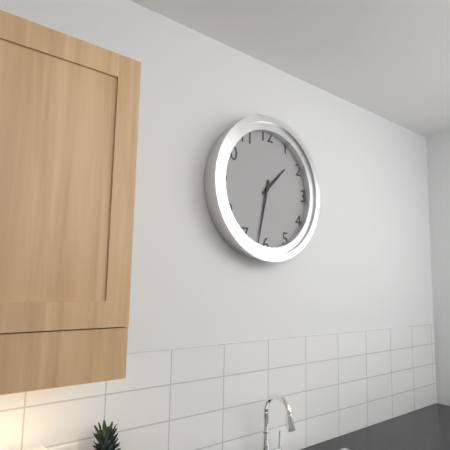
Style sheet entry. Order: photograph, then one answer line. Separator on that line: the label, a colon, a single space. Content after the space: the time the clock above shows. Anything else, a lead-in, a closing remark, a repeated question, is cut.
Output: 1:32
